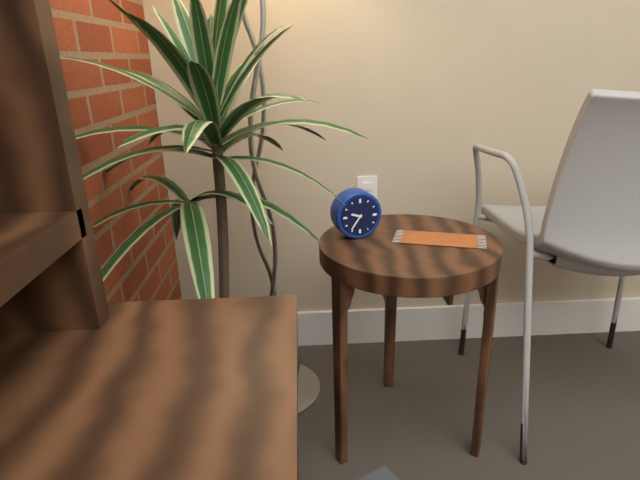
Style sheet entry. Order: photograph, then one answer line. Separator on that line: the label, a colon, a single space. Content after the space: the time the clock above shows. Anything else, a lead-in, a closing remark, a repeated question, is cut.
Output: 9:36
